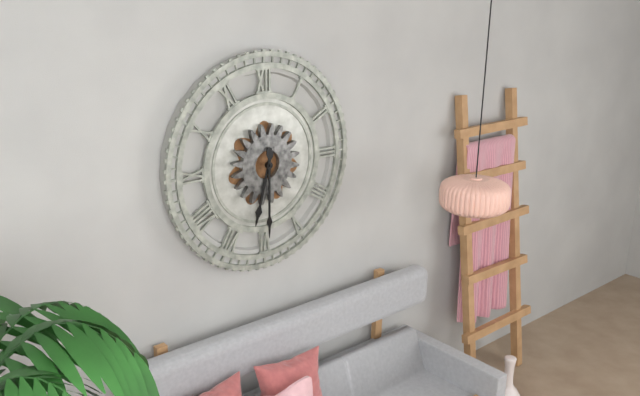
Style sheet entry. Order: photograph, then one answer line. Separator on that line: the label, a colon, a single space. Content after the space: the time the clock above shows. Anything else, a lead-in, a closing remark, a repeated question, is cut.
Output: 6:30
